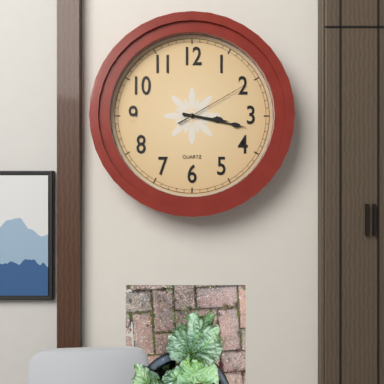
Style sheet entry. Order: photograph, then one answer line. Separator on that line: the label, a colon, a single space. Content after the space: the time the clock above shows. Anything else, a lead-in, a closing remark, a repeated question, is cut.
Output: 3:17:10
